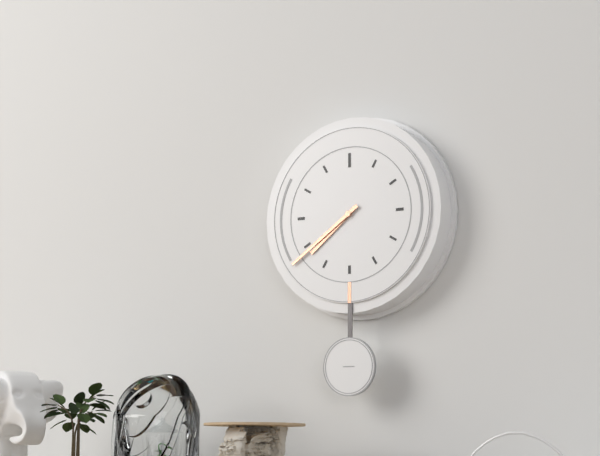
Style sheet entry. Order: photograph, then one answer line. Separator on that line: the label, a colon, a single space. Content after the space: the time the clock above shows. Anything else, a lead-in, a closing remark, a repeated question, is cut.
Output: 7:39
